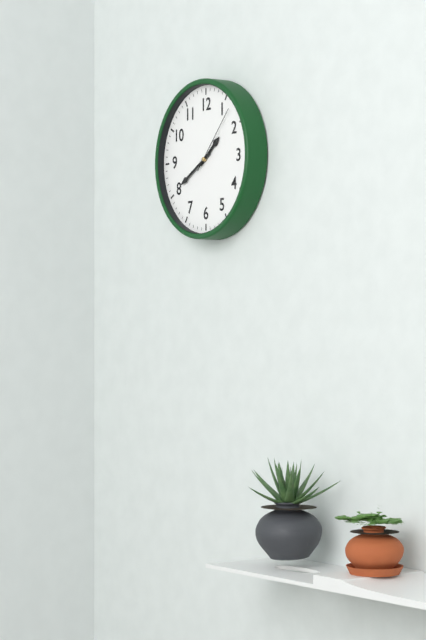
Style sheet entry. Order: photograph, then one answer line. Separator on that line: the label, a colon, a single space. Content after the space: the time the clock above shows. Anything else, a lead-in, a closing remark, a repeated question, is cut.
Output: 1:40:07
